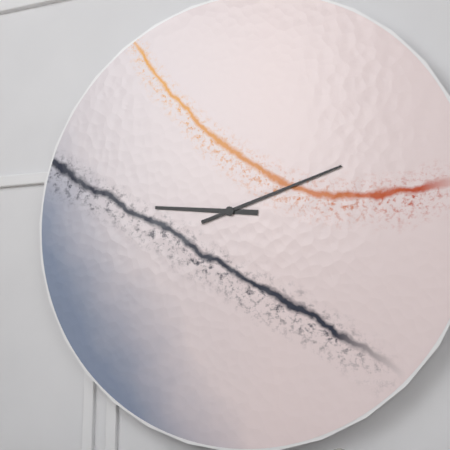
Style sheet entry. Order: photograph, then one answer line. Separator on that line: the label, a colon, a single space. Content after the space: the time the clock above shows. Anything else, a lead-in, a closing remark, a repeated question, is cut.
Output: 9:12
